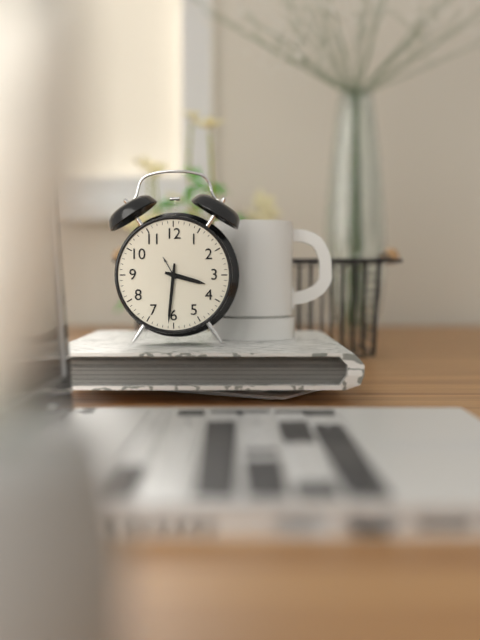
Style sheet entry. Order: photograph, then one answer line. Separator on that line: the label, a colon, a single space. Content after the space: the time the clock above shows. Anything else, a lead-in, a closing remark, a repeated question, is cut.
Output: 3:31
